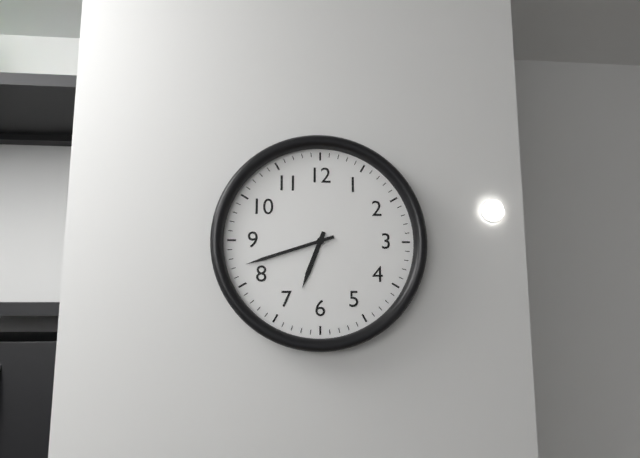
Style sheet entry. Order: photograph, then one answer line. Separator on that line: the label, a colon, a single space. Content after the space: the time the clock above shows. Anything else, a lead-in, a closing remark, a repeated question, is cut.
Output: 6:42
